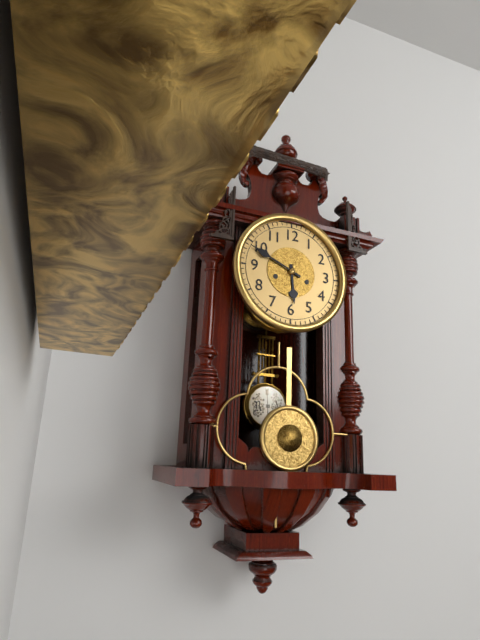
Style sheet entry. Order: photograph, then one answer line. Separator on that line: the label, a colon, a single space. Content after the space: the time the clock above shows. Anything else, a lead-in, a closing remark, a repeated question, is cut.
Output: 5:49
